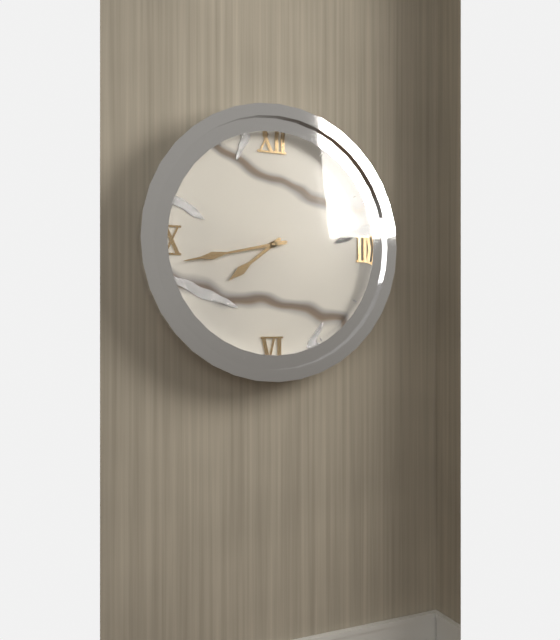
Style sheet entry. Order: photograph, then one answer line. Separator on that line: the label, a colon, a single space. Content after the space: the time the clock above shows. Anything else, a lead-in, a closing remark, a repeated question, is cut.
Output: 7:43
